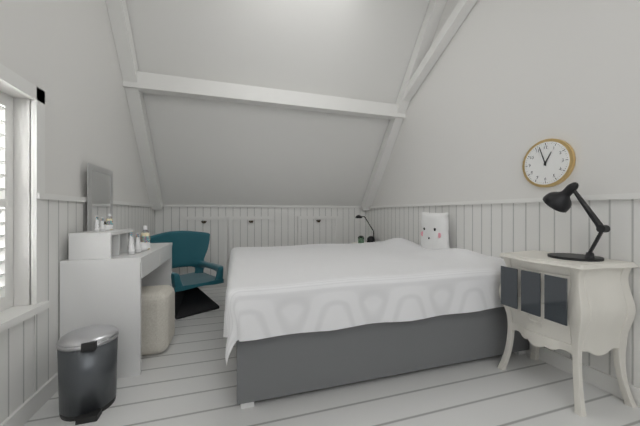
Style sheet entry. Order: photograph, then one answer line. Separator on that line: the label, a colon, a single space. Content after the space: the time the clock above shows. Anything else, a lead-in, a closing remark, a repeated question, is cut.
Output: 12:57
